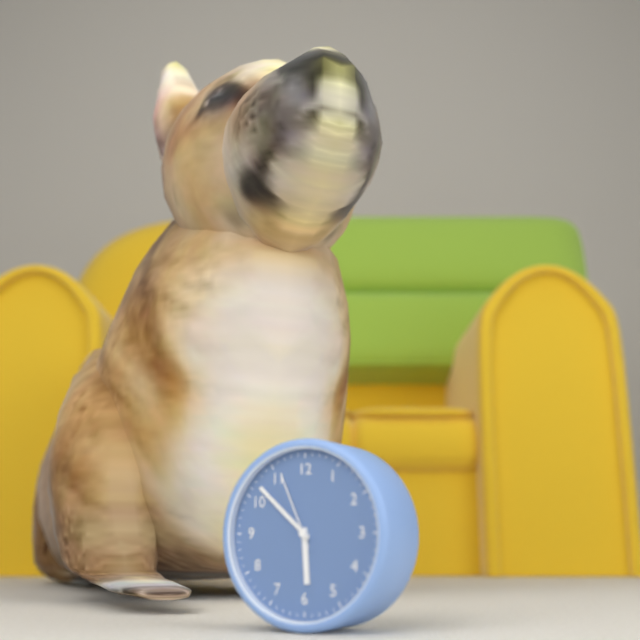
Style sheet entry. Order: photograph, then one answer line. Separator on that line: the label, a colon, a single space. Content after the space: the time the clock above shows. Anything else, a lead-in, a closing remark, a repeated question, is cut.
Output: 5:52:56
